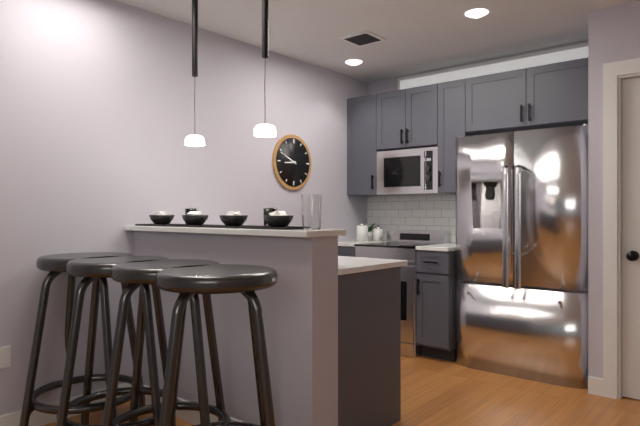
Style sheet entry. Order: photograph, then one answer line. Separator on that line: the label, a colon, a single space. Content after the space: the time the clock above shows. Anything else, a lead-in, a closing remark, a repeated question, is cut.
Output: 8:49
